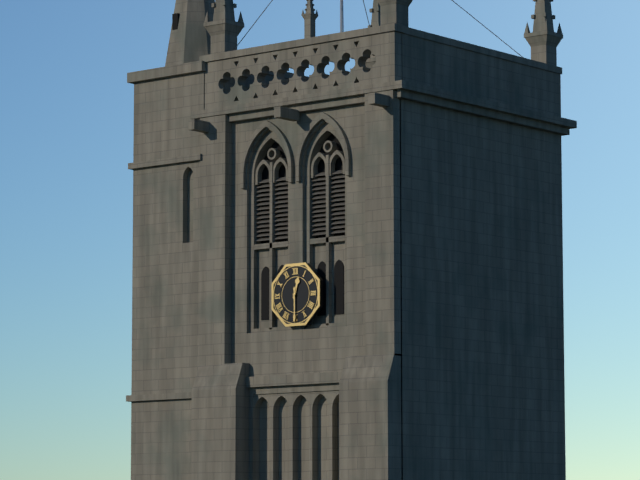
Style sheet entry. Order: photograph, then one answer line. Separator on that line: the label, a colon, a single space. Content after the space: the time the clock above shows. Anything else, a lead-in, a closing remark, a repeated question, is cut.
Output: 12:30
